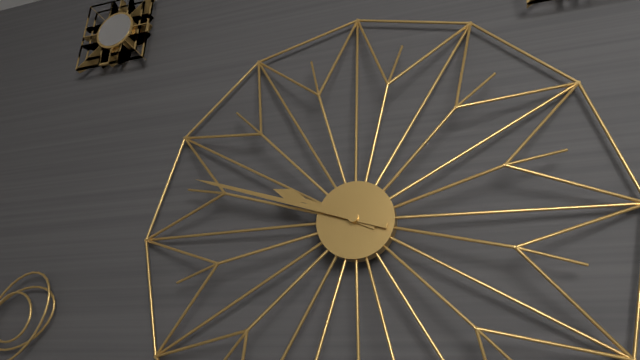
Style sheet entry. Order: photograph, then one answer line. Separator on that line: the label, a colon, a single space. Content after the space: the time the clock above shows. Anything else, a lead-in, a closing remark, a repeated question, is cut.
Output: 9:48
